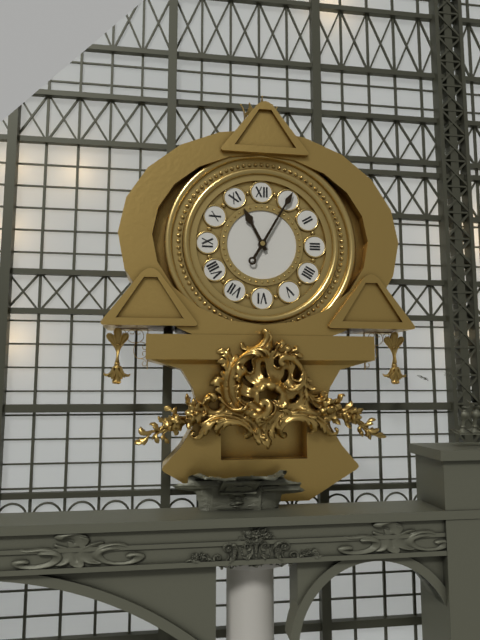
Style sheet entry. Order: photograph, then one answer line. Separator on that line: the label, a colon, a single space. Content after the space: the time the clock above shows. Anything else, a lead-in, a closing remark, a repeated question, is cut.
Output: 11:05
